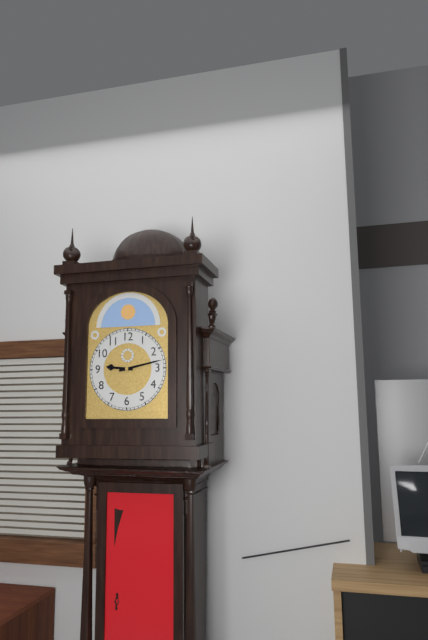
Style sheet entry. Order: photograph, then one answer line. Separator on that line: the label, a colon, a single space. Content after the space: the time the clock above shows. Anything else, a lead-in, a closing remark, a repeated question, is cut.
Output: 9:13
